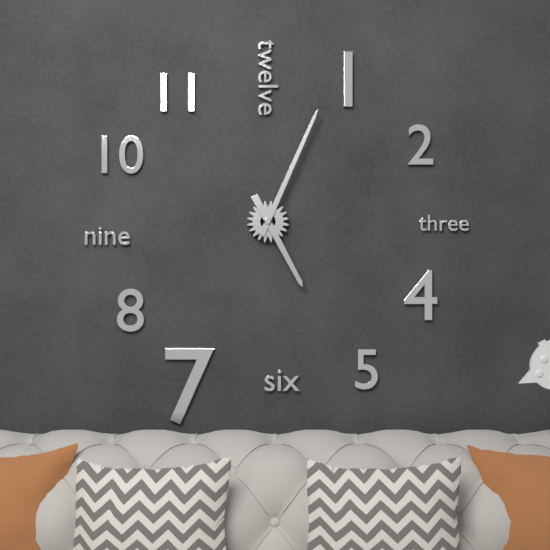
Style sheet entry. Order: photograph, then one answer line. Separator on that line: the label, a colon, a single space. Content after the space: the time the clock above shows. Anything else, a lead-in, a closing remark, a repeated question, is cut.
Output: 5:04
